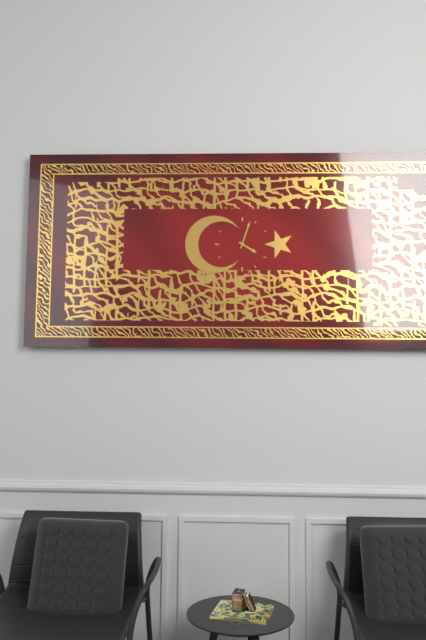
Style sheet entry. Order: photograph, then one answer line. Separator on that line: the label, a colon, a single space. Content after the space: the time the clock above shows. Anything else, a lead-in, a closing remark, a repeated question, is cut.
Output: 4:03
